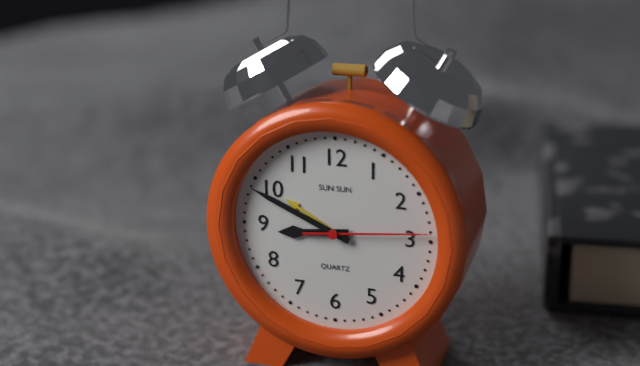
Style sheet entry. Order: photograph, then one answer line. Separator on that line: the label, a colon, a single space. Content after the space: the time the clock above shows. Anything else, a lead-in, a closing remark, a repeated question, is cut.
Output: 8:49:14
